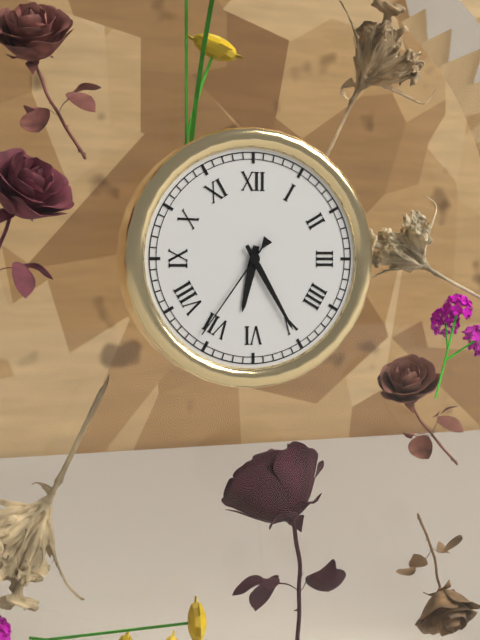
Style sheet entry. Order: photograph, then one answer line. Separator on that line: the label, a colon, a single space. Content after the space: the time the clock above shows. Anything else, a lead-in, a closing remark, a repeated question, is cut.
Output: 6:25:36
